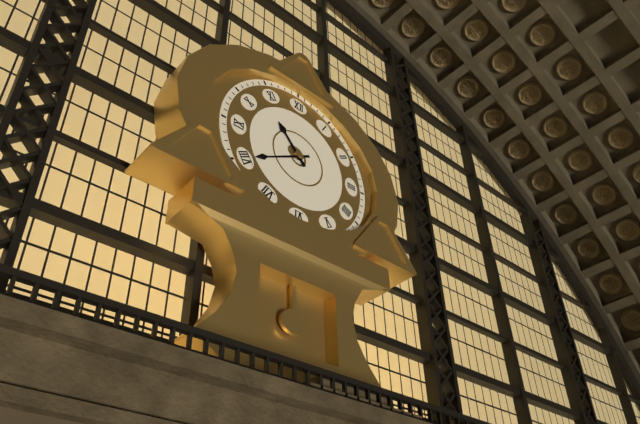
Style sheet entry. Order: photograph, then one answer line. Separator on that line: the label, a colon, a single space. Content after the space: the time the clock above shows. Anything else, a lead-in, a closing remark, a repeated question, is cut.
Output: 10:40
